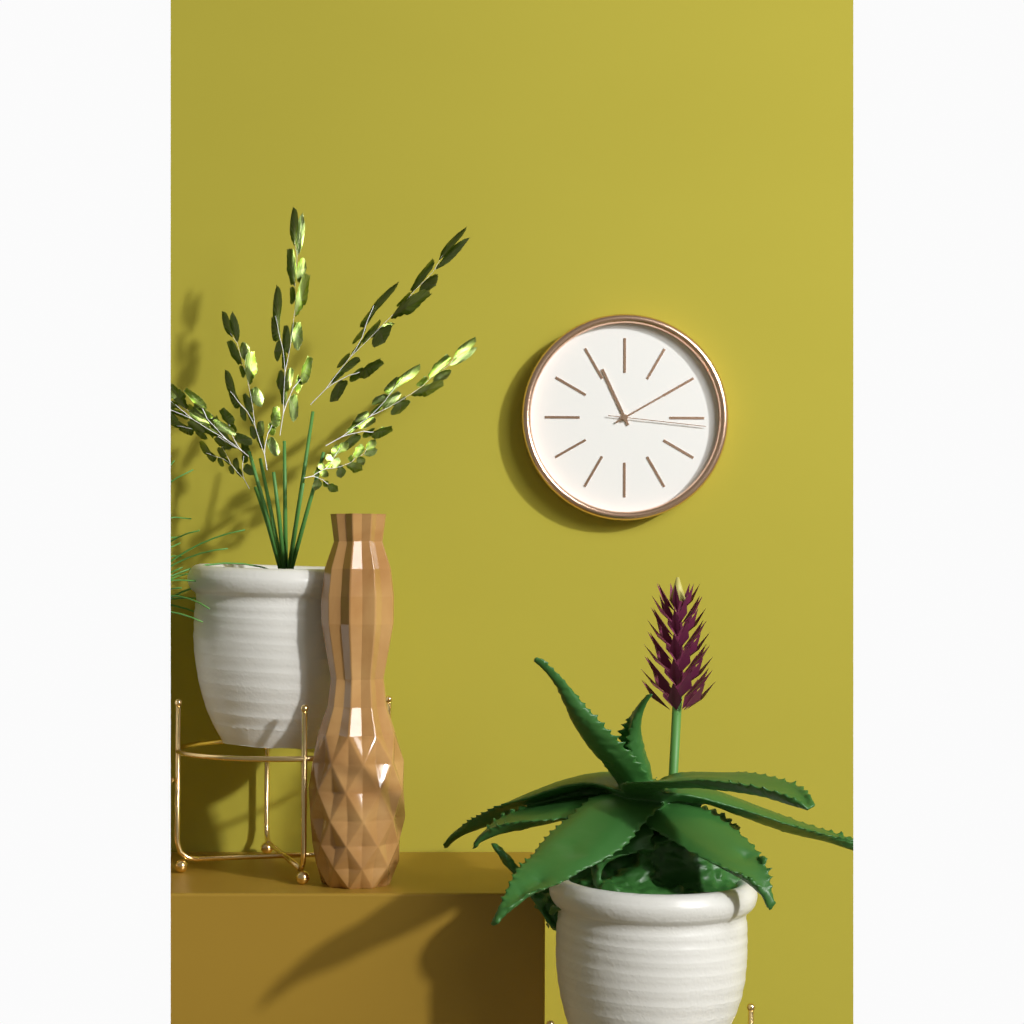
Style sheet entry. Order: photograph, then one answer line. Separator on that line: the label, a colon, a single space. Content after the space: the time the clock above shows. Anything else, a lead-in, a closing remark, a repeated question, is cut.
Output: 11:10:16
